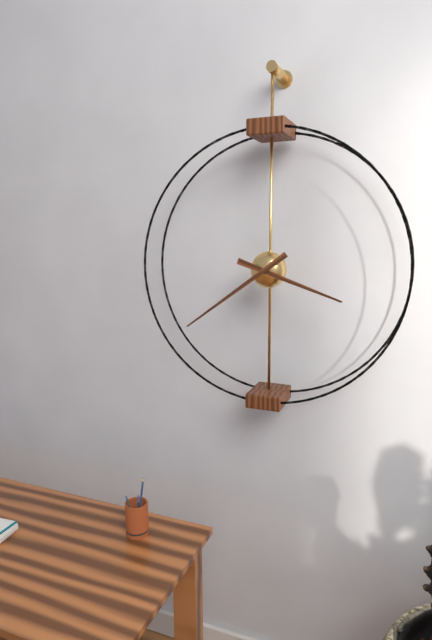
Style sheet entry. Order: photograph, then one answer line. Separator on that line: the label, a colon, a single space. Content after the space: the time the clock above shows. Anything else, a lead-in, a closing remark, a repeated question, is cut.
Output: 3:39
